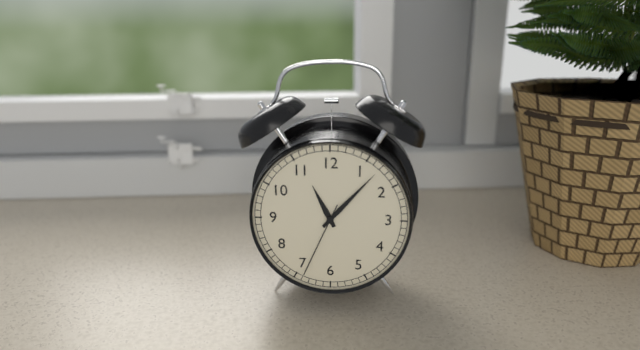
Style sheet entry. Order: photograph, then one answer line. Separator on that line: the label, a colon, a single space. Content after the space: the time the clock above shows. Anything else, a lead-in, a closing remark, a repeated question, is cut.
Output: 11:07:34
